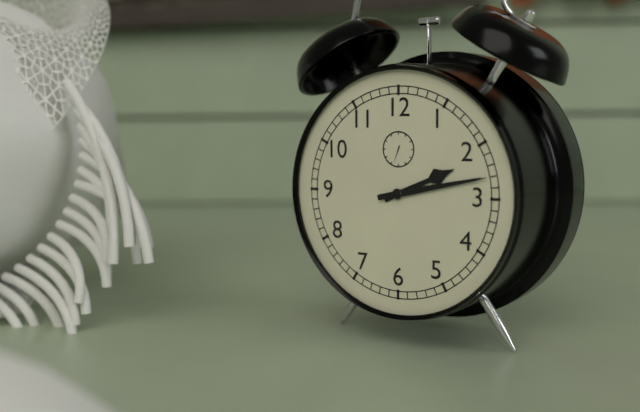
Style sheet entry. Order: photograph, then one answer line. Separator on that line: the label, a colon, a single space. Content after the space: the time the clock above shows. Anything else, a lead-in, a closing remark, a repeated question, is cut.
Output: 2:13
